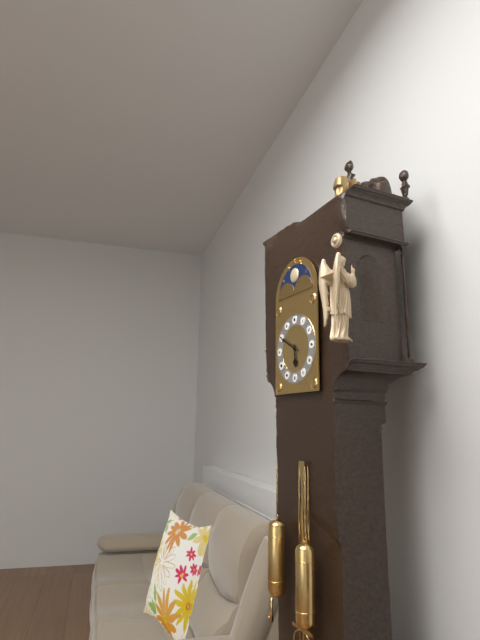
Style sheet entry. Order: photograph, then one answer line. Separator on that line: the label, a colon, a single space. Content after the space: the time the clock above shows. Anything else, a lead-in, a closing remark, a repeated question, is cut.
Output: 5:50
